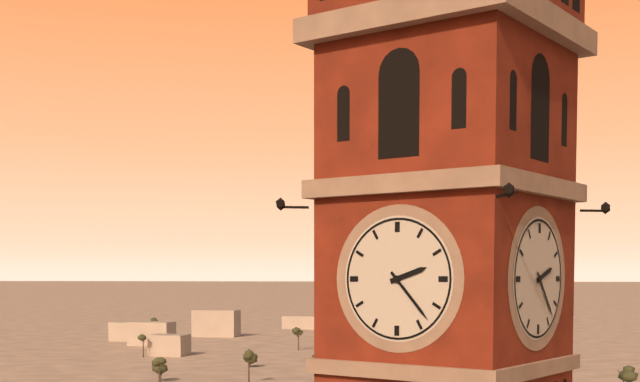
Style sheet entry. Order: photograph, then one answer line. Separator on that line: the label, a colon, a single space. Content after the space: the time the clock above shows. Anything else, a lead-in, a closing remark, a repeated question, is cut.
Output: 2:23
